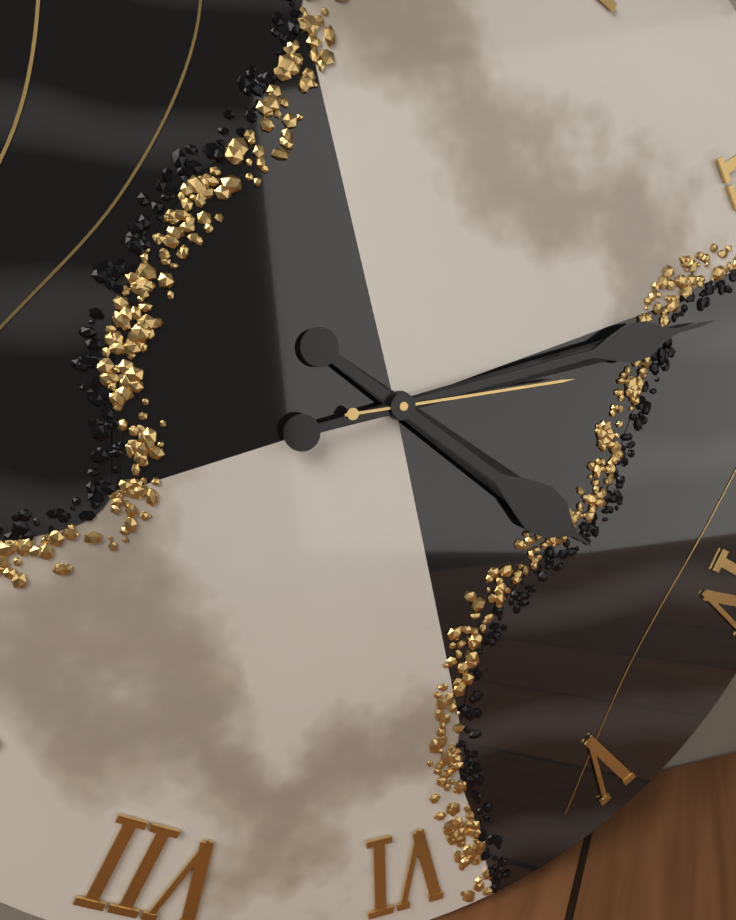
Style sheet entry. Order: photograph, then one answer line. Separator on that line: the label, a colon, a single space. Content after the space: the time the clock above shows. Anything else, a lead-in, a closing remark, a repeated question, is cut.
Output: 4:13:14
